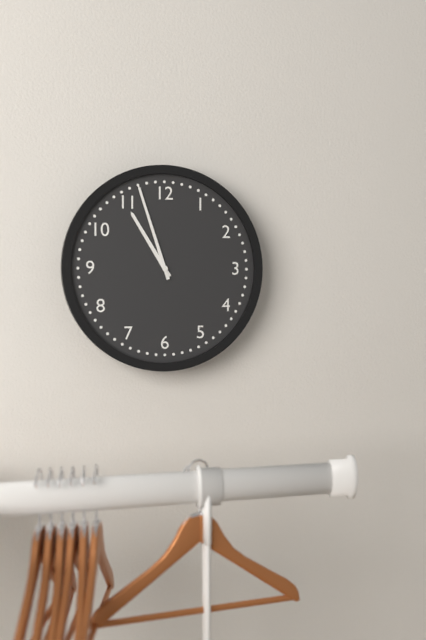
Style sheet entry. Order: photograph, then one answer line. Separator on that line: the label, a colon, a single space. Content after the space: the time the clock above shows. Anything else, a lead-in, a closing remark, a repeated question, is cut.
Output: 10:57
